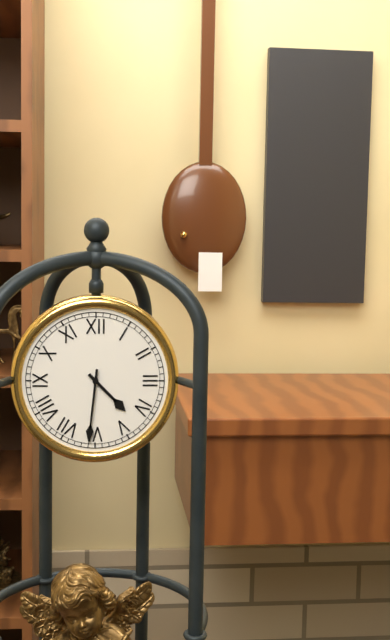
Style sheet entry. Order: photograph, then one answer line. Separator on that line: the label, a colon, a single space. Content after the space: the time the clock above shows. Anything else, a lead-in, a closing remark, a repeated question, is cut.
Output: 4:31
